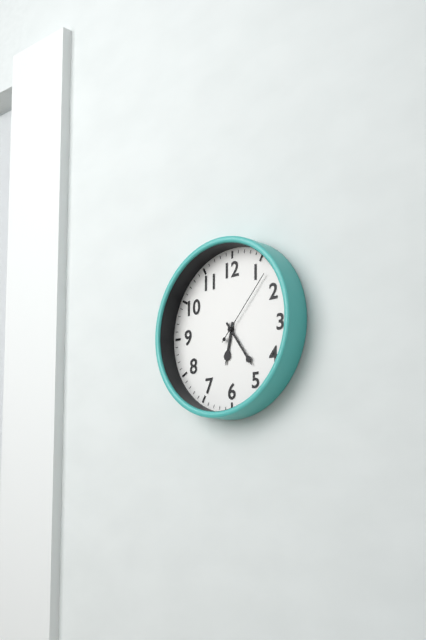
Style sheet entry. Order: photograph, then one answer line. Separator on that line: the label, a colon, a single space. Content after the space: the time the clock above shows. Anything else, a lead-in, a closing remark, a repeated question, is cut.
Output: 6:24:07
